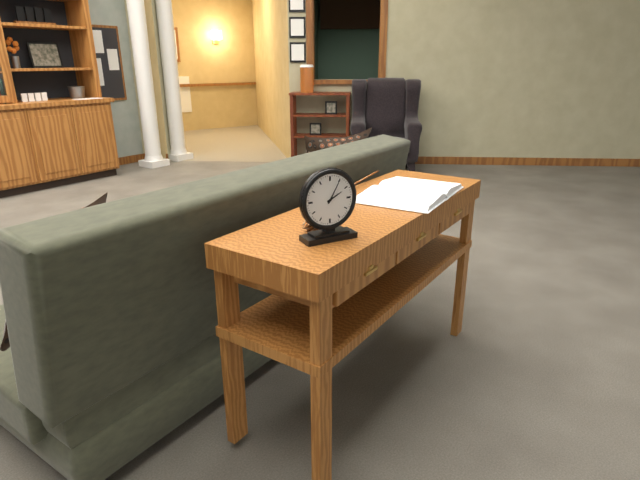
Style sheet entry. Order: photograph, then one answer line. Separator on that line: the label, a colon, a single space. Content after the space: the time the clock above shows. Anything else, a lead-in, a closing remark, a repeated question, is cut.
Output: 2:05
